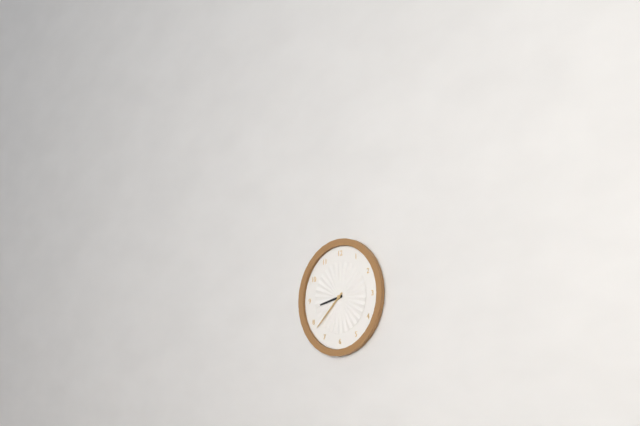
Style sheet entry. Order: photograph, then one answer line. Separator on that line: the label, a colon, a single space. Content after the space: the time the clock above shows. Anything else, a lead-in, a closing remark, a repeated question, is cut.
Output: 8:38
